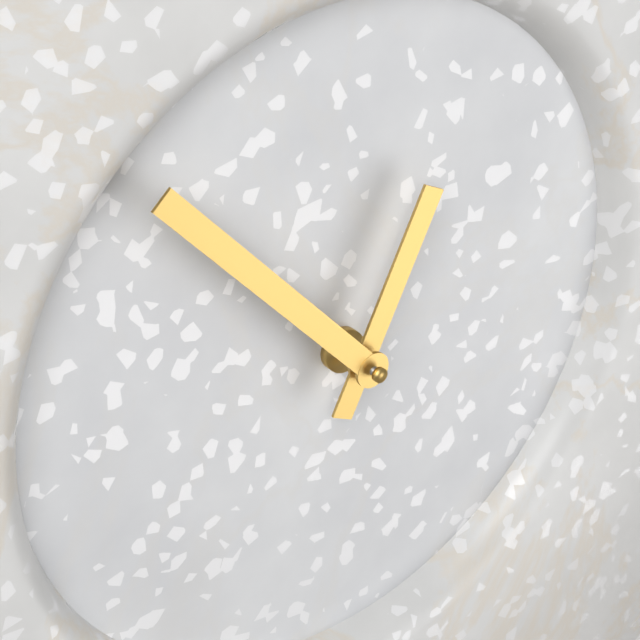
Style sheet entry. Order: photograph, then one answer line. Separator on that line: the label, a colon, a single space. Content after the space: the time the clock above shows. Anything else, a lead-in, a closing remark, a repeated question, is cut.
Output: 12:53
